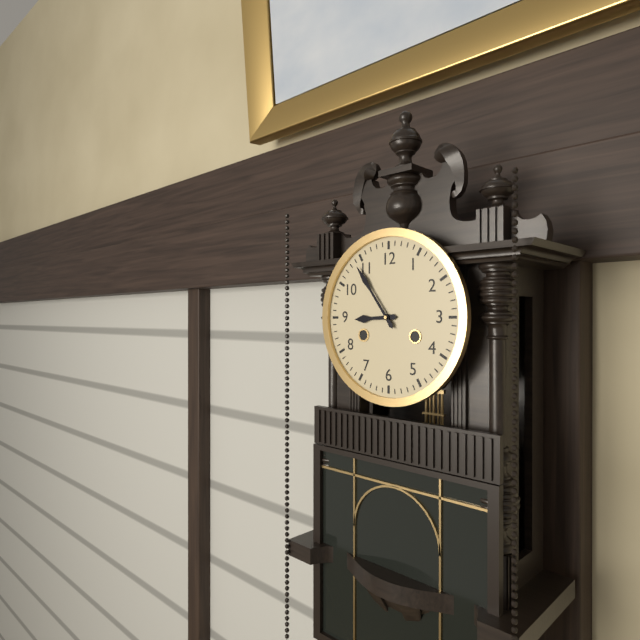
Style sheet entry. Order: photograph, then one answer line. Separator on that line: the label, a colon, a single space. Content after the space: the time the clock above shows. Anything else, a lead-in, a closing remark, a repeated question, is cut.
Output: 8:54
